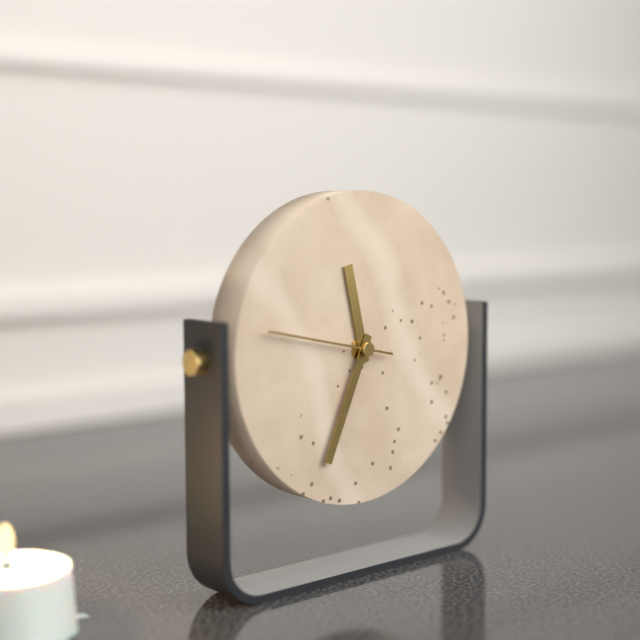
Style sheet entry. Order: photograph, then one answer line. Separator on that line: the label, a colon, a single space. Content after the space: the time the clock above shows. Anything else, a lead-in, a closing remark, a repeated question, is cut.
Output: 11:34:47
